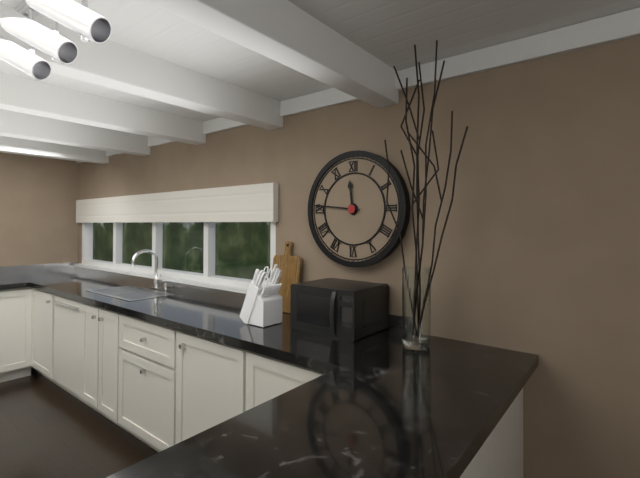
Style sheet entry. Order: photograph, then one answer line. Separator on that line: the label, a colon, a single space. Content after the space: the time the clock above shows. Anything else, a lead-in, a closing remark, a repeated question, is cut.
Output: 11:46
